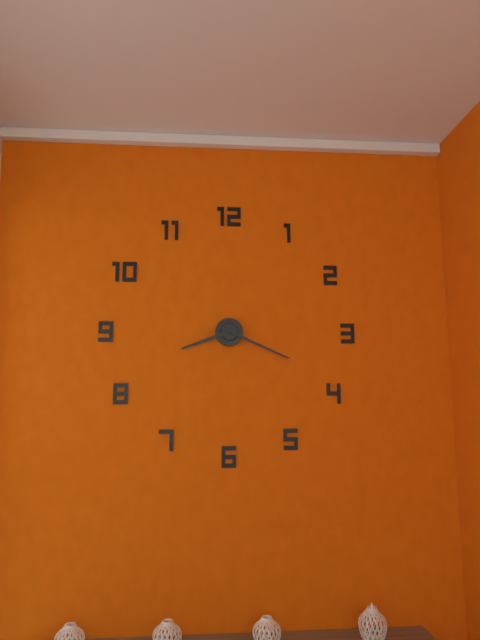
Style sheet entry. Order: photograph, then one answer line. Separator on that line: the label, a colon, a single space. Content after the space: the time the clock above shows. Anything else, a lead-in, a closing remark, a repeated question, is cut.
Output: 8:19
